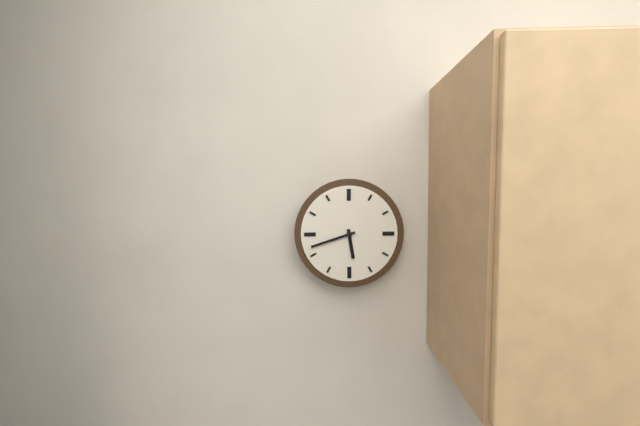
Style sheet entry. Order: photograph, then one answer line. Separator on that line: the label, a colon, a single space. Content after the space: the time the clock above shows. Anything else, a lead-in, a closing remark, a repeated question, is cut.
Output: 5:42
